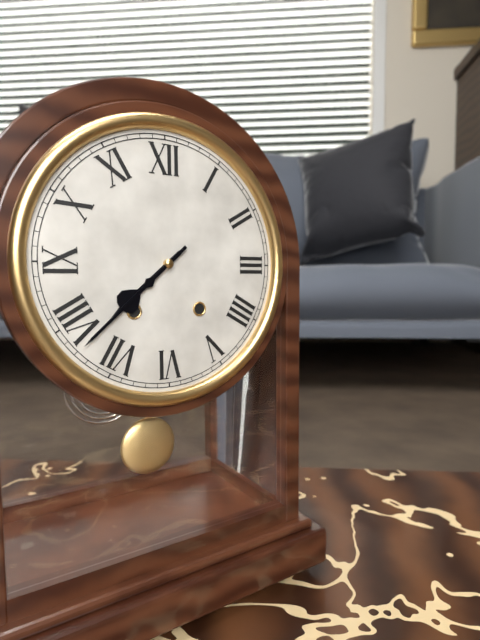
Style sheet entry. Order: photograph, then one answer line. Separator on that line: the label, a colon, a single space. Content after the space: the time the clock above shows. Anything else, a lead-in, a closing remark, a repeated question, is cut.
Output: 7:38
